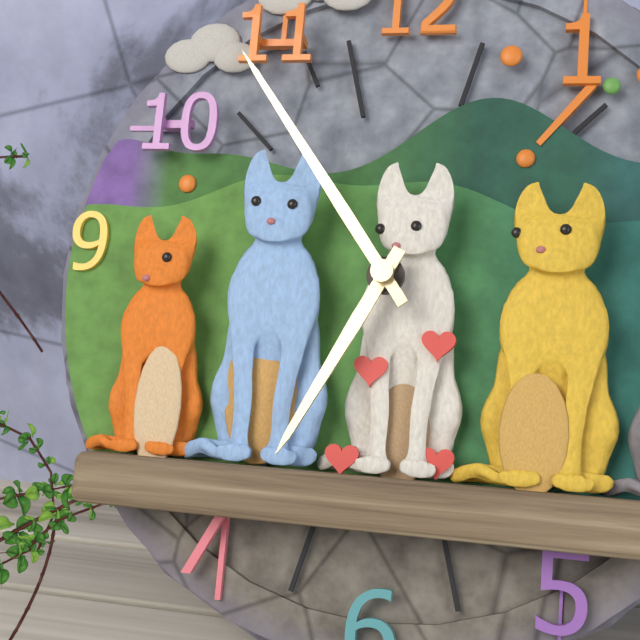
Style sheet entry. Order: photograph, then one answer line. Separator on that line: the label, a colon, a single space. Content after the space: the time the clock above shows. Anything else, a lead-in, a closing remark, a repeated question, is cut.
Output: 6:54
